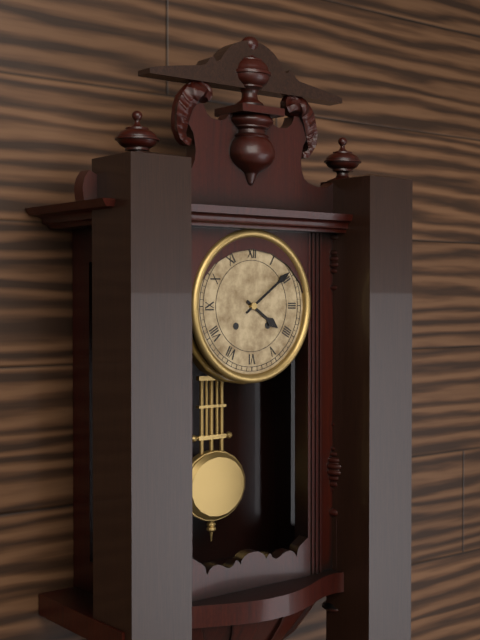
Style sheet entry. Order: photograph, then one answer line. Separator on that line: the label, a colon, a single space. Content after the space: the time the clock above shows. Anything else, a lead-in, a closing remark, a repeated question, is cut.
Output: 4:09
